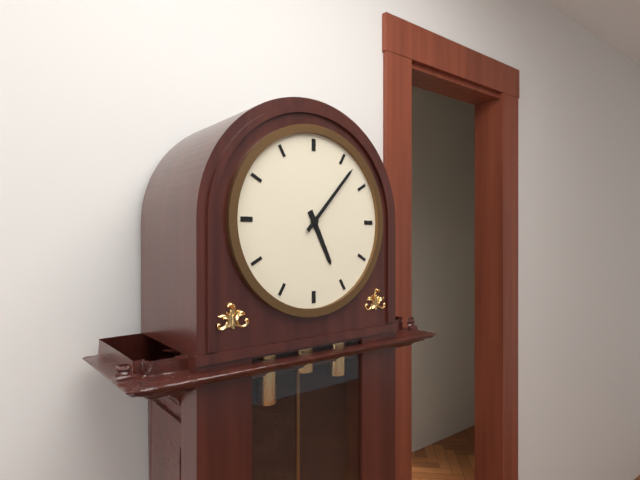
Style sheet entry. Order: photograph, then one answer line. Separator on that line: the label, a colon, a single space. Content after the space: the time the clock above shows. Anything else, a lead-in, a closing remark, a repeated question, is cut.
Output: 5:07
